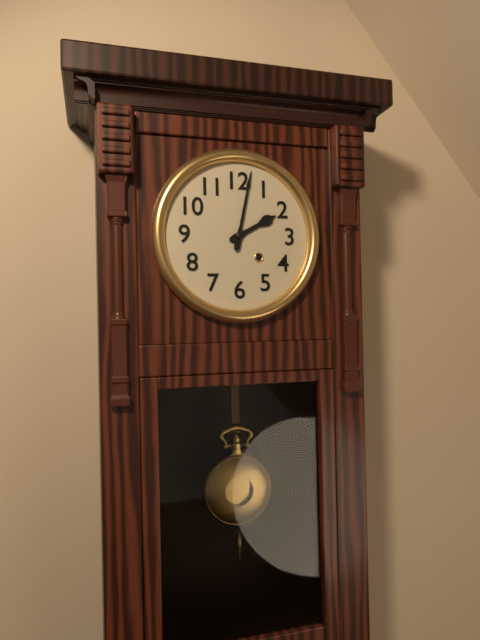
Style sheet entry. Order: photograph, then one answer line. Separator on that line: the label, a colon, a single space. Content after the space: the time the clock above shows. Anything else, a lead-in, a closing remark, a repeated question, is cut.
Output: 2:02
